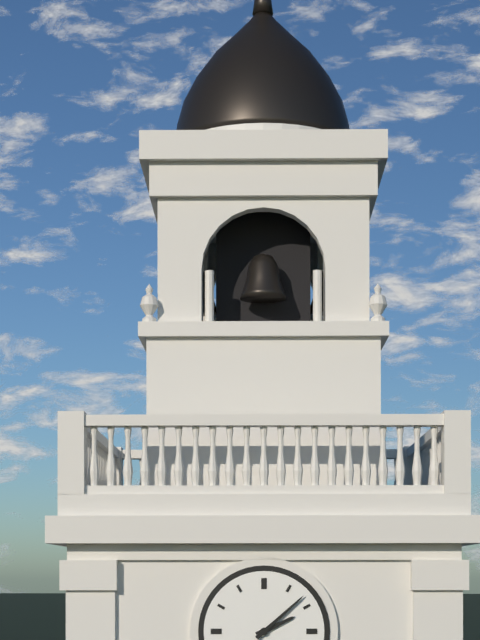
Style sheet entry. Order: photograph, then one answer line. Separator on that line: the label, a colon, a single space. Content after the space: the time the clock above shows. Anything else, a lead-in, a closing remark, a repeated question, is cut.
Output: 2:08
